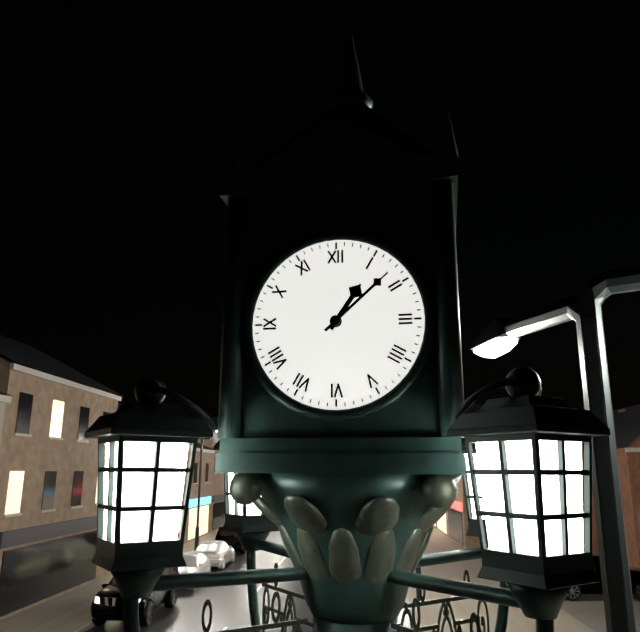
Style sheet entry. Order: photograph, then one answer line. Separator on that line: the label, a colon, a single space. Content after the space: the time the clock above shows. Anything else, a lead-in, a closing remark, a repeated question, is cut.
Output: 1:08
